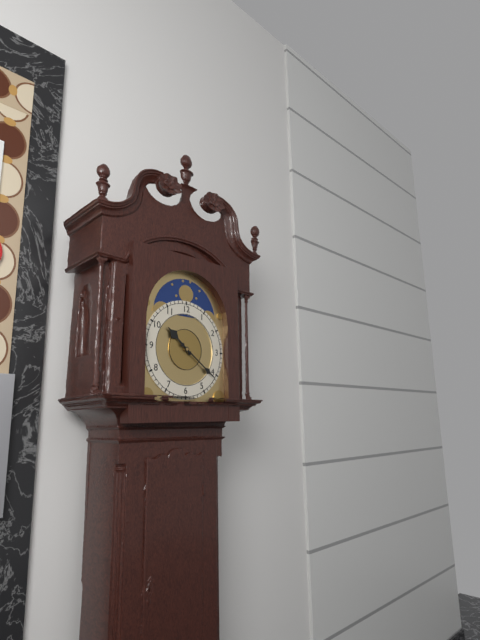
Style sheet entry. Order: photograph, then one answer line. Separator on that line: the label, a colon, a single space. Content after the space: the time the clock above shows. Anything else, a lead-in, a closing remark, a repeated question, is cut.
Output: 10:21
